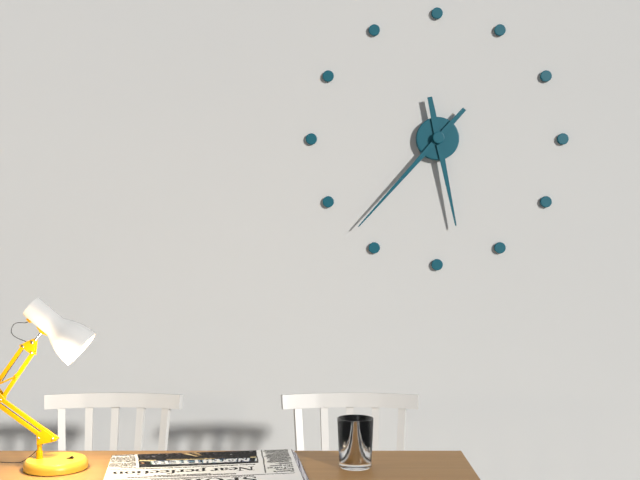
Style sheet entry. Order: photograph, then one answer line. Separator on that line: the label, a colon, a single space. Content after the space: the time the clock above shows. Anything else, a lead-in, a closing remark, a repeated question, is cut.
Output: 5:37
